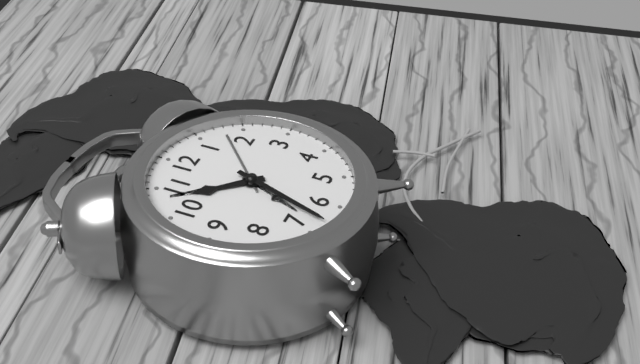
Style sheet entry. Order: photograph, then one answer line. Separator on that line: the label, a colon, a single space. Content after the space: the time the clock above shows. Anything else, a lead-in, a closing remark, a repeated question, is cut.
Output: 10:33
